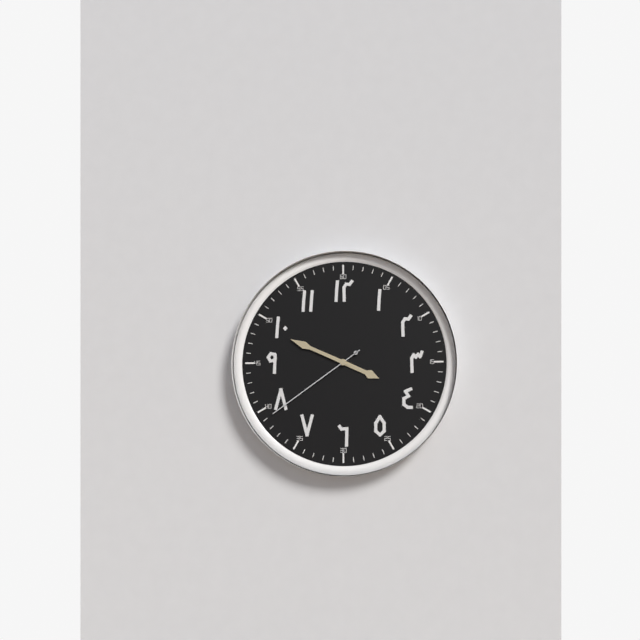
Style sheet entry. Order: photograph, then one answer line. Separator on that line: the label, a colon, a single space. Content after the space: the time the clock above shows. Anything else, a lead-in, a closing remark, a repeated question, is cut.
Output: 3:49:39
